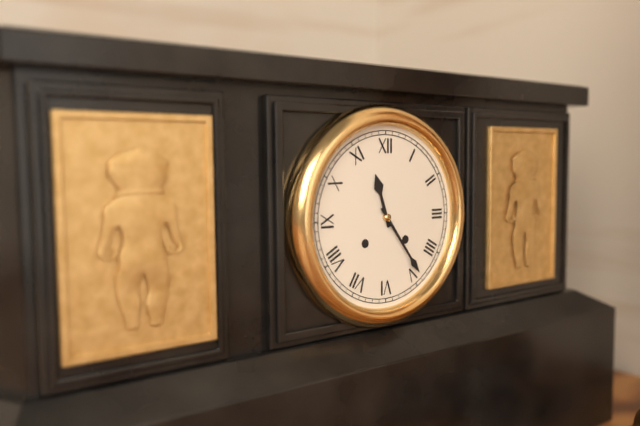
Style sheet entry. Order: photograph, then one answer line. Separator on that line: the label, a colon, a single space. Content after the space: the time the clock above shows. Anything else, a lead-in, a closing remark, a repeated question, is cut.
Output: 11:24
